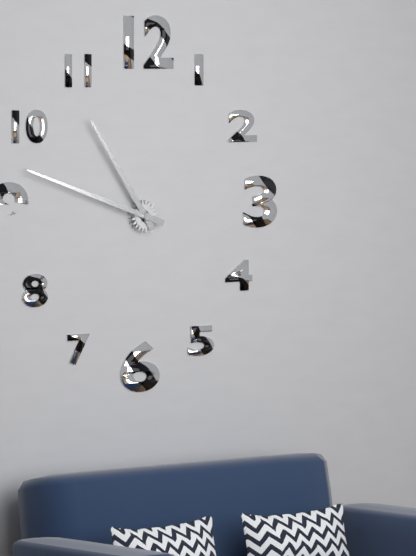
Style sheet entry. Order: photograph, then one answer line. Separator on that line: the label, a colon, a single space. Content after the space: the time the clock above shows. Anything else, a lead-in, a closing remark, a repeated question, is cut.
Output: 10:48
